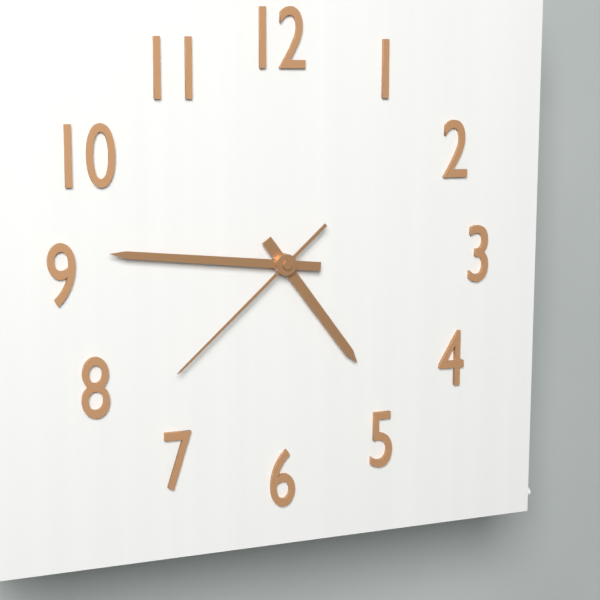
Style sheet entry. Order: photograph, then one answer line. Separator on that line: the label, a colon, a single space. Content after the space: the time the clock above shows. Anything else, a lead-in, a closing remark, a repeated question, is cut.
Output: 4:46:38
